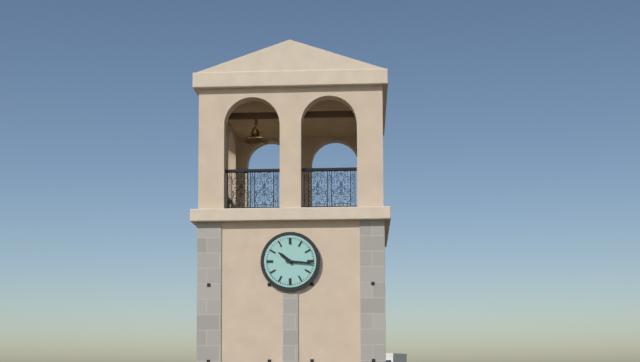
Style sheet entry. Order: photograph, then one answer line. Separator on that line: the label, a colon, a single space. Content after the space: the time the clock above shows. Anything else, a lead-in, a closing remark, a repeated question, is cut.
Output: 10:16
